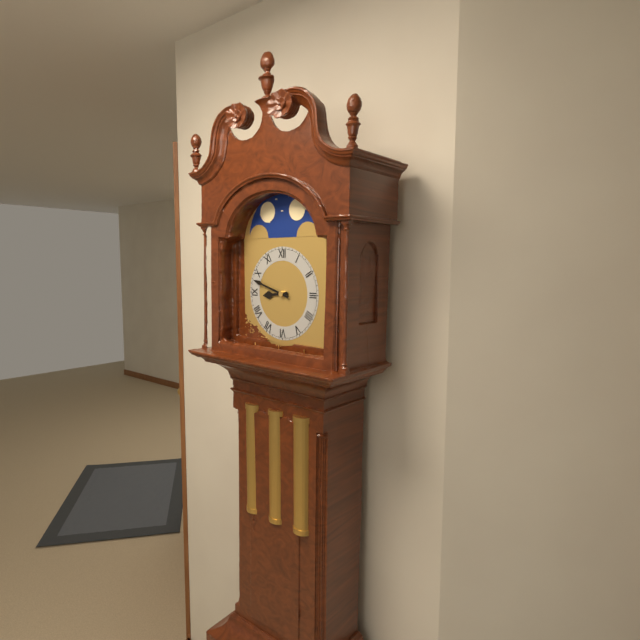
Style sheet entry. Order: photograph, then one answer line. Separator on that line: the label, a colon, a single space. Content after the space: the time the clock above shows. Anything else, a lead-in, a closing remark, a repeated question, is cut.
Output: 8:48
